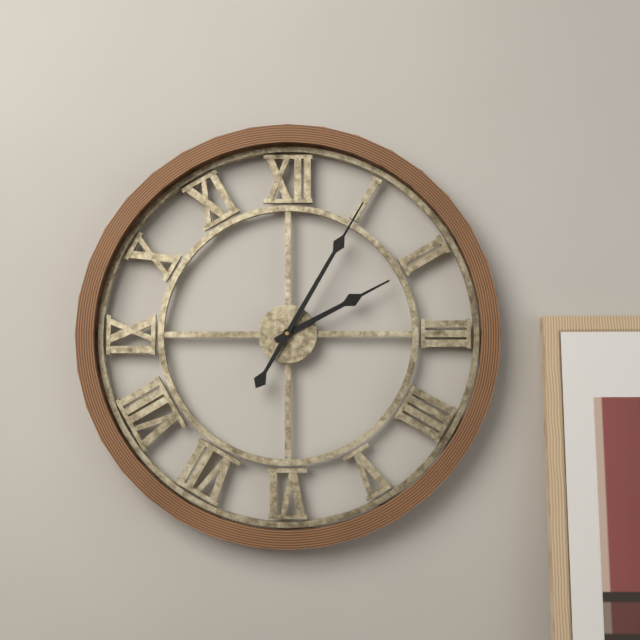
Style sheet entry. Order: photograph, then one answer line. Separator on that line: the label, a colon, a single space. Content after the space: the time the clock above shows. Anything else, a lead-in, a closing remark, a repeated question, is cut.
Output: 2:05
